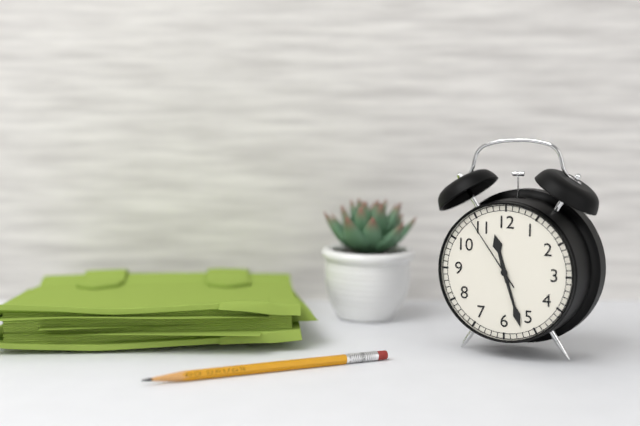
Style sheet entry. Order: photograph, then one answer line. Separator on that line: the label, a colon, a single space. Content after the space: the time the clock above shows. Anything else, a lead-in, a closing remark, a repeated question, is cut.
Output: 11:27:54
